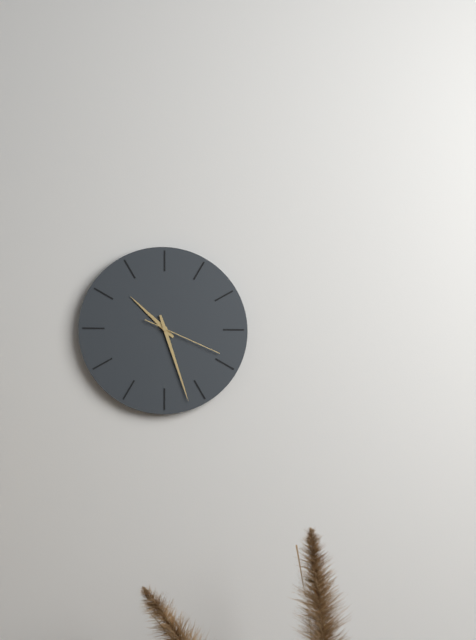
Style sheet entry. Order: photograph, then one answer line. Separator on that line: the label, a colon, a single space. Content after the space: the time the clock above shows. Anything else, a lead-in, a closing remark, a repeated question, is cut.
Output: 10:27:19
